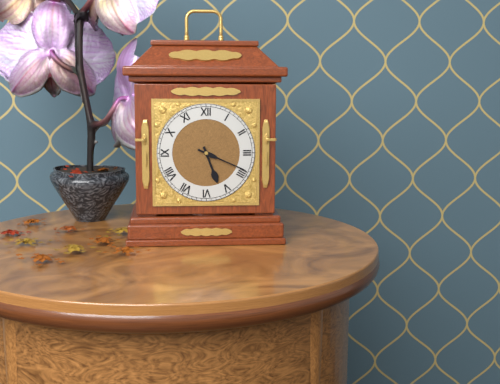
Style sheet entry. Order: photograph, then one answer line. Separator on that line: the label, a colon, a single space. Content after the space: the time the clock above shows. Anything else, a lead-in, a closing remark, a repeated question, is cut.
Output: 5:19
